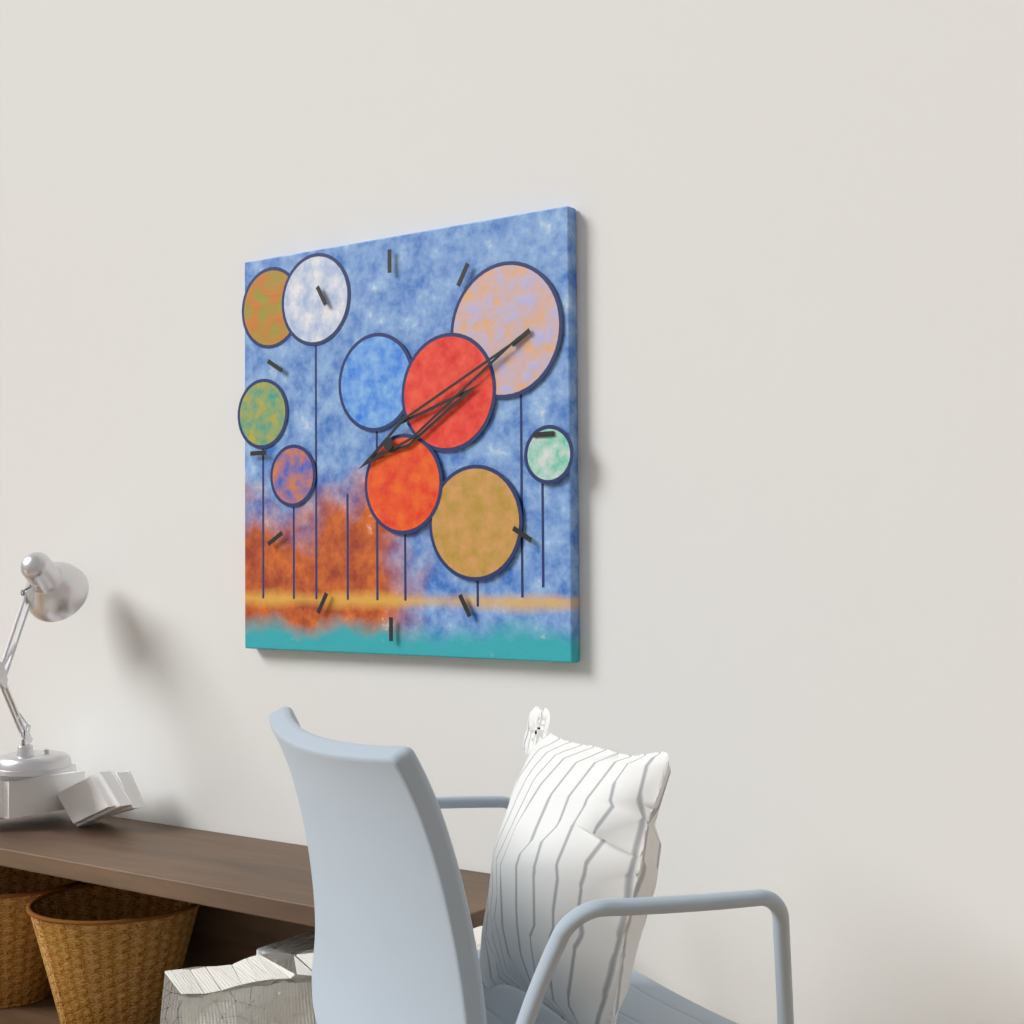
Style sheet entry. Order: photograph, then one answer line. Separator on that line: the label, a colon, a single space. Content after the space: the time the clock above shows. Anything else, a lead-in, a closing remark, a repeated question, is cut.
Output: 2:10
